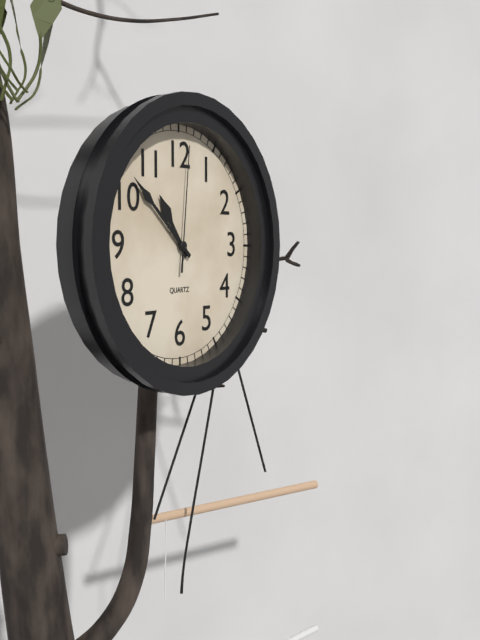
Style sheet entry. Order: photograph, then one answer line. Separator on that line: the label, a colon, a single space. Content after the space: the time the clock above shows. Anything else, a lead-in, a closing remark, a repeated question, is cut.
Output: 10:52:01
